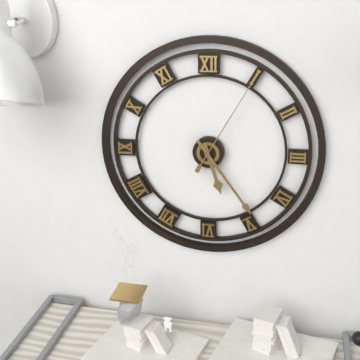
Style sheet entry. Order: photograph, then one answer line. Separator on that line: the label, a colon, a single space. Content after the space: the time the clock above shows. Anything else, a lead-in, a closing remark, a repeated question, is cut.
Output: 5:24:05
